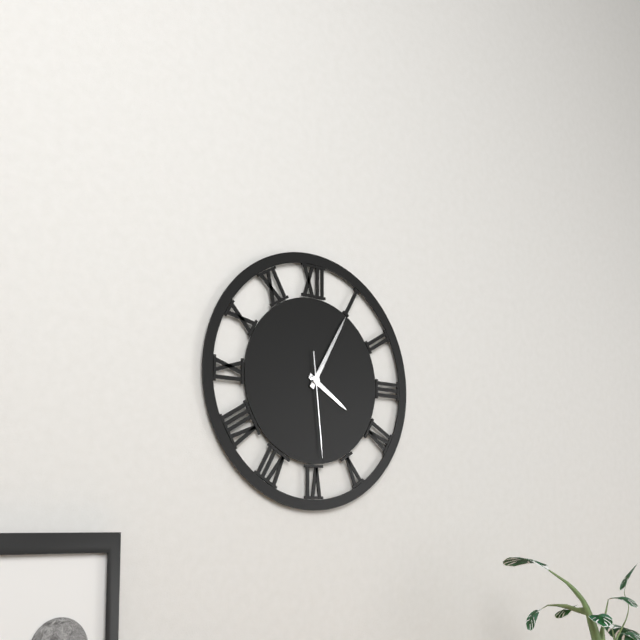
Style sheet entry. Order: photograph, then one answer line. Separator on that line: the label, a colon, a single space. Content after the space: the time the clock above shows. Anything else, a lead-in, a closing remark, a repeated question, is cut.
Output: 4:05:29
